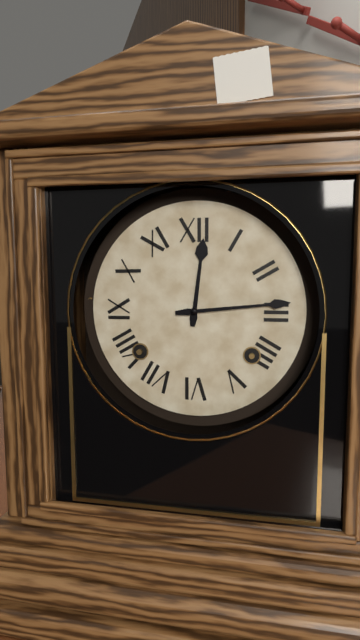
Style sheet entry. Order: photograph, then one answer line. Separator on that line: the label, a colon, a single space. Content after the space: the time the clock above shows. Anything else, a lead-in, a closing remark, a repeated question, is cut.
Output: 12:14
